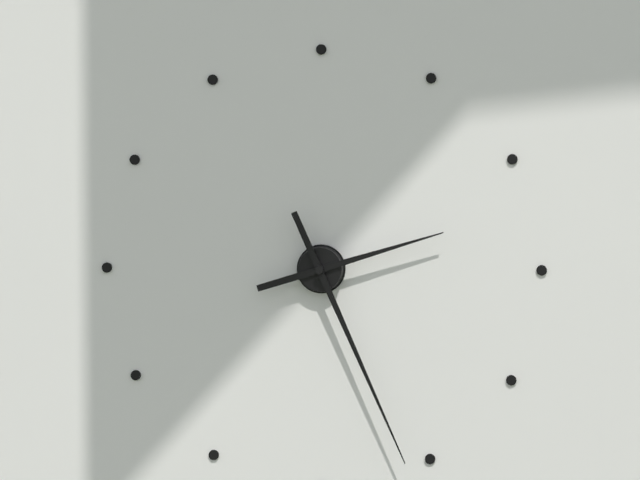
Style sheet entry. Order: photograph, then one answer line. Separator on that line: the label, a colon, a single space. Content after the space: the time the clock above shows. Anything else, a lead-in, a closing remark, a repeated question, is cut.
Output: 2:26
